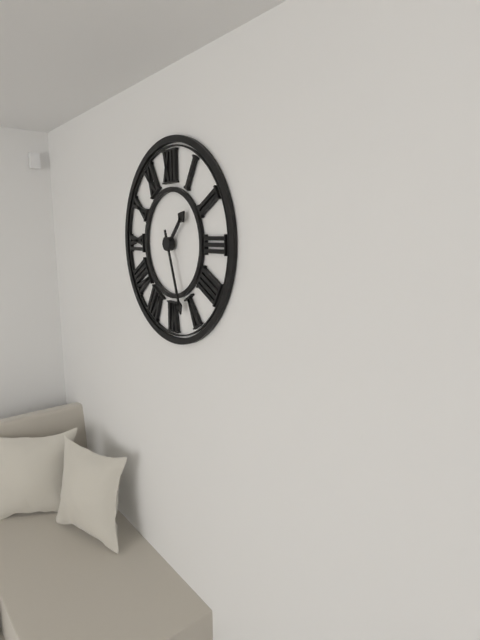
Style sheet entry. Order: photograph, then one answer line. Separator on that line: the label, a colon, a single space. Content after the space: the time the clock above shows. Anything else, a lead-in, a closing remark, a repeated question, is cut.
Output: 1:27
